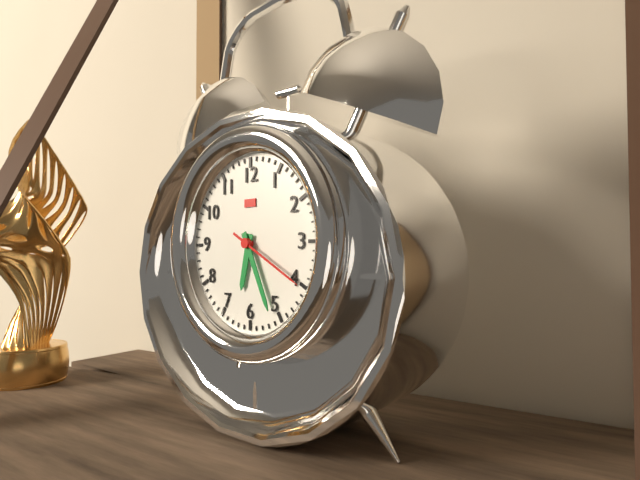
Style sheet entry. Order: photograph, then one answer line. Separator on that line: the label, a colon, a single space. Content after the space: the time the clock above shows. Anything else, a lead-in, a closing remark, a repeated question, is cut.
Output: 6:26:20
